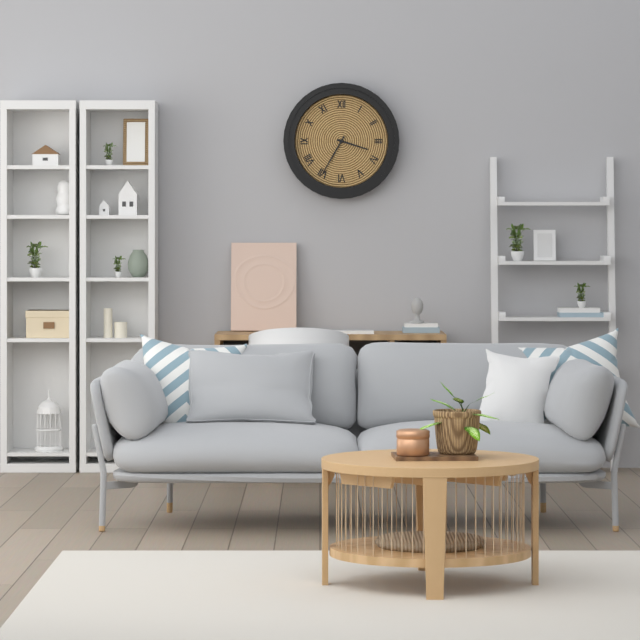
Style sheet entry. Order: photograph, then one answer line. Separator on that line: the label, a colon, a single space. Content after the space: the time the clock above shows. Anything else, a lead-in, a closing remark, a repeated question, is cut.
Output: 3:35
